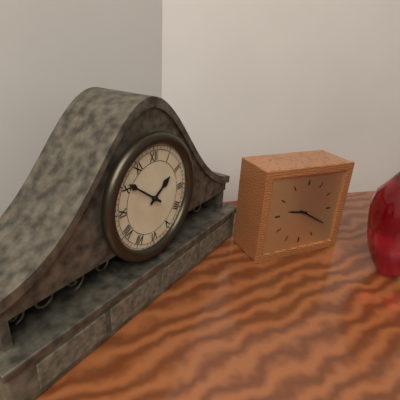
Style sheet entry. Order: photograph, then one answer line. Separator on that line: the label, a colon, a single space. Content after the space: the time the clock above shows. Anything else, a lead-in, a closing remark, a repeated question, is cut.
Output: 1:51
